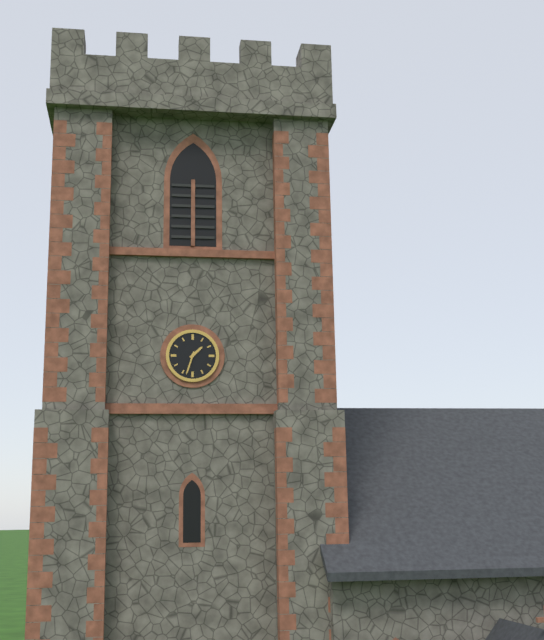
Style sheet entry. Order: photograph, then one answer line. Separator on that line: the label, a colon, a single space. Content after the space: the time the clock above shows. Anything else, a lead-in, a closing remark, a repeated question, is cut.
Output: 1:33
